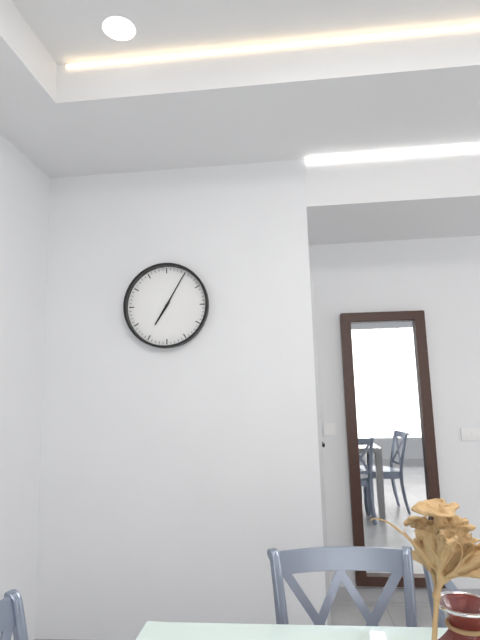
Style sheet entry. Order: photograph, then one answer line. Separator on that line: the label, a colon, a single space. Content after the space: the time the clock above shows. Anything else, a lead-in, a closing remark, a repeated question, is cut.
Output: 7:05
